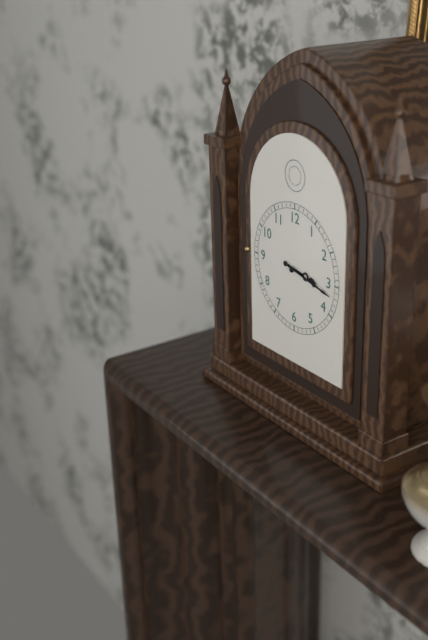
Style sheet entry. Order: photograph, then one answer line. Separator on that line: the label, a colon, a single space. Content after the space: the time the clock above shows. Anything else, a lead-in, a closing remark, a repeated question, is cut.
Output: 3:17
